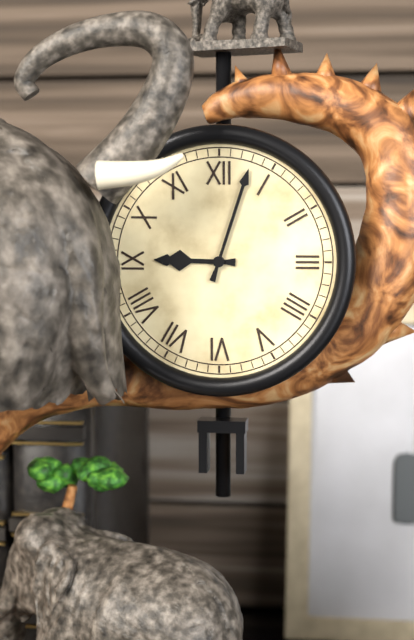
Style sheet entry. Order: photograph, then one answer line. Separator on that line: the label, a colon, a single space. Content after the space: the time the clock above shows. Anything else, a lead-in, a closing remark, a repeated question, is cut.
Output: 9:03
